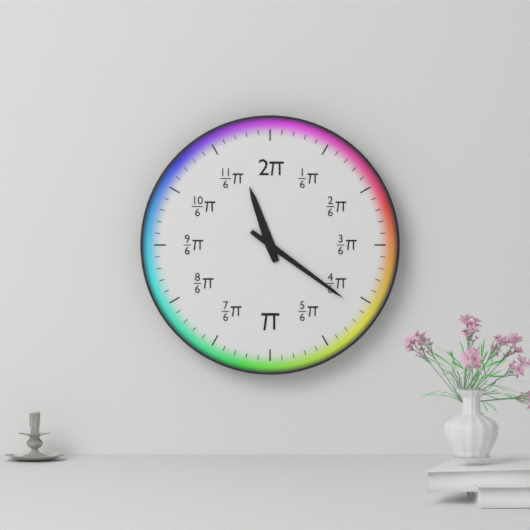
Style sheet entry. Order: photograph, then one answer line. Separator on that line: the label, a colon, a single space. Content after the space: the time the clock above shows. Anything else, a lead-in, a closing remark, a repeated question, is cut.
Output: 11:21
